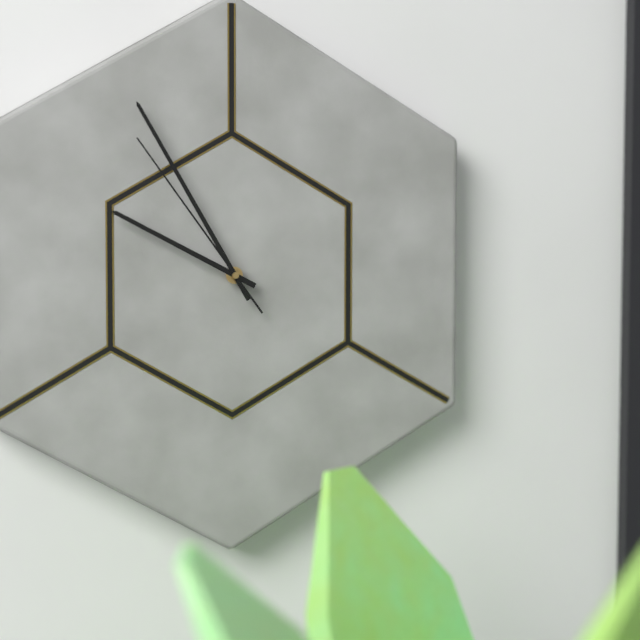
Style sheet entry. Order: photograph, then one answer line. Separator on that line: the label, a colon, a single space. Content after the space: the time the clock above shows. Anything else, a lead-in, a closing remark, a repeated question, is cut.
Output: 9:55:54
